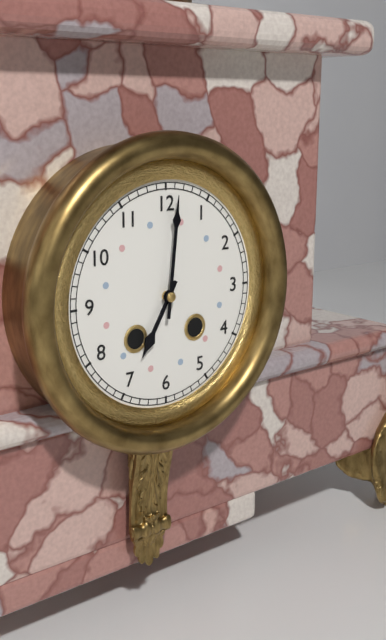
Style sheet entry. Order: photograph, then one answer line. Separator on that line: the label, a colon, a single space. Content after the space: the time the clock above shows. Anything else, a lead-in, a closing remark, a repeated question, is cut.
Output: 7:01
